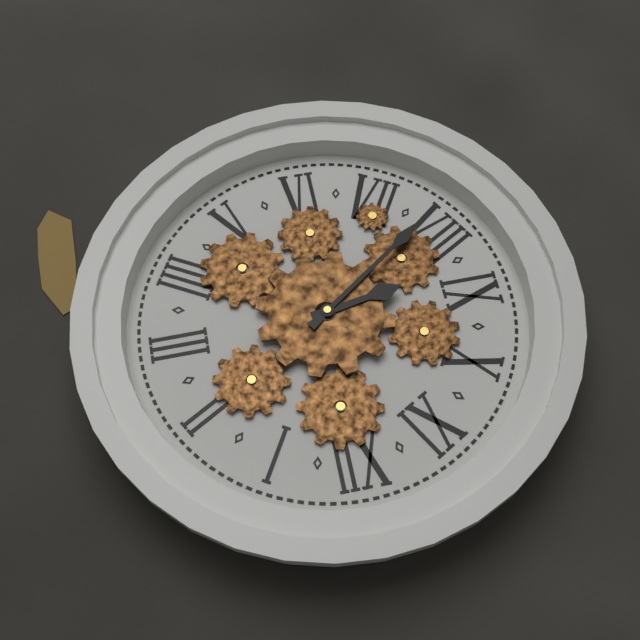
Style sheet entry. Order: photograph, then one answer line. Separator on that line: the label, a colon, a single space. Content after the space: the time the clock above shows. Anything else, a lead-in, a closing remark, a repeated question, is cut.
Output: 8:39
